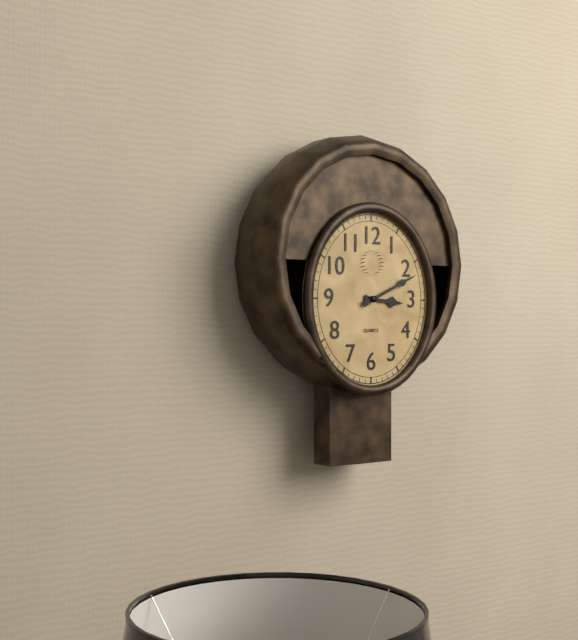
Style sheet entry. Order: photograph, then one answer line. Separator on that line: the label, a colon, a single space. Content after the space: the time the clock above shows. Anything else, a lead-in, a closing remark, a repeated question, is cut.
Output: 3:11
